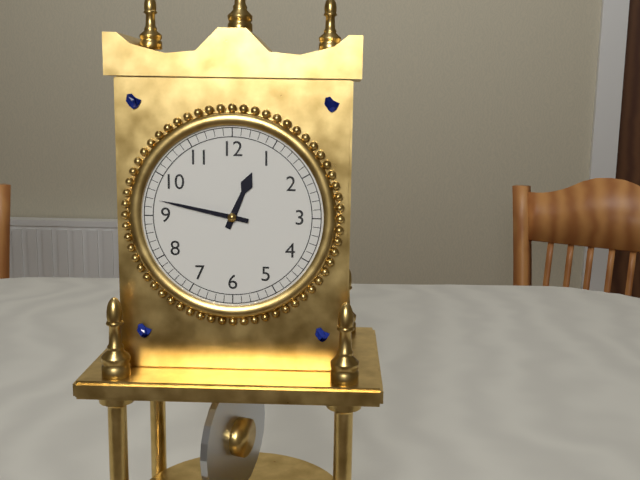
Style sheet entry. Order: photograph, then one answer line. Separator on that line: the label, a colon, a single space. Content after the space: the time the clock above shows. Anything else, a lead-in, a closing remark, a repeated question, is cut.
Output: 12:47
